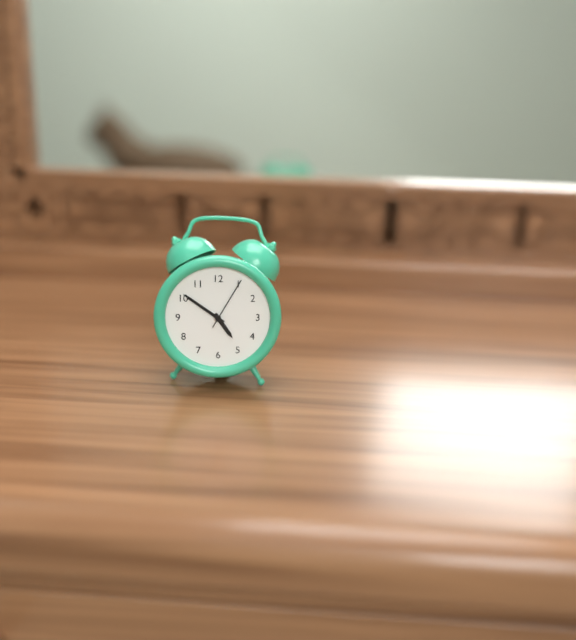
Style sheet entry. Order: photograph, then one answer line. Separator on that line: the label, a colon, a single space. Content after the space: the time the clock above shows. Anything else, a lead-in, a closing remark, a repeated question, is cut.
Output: 4:51:05
